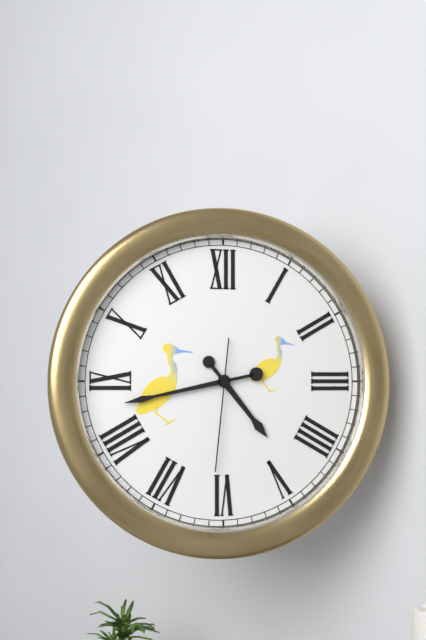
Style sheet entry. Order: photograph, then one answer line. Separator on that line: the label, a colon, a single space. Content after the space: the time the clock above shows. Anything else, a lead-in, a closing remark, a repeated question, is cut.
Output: 4:43:31
